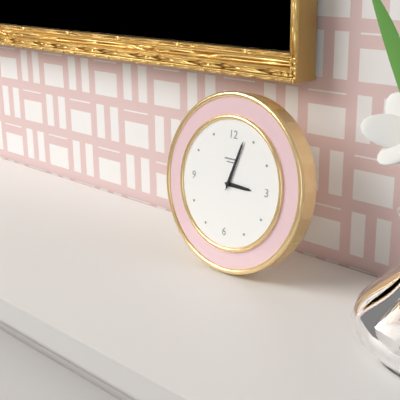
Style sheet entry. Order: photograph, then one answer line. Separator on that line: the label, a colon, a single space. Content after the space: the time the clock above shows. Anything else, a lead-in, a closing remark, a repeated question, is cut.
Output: 3:03
